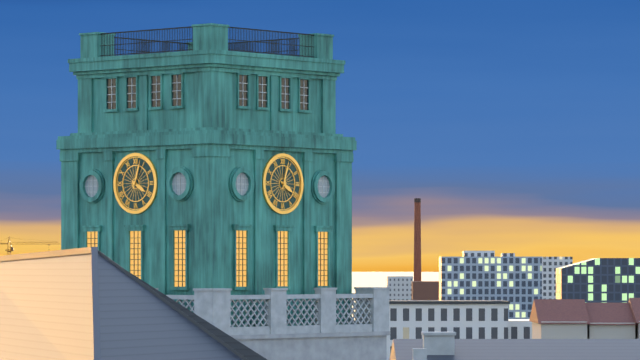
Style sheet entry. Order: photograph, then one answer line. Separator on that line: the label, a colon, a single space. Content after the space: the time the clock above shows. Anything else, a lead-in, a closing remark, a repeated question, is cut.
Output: 4:03
